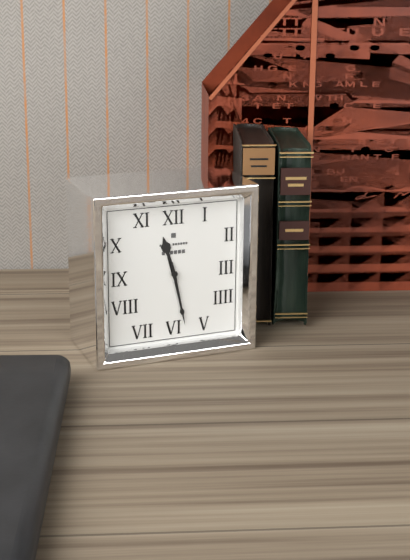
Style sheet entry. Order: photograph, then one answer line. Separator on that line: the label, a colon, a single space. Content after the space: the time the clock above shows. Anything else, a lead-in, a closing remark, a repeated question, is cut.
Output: 11:28
